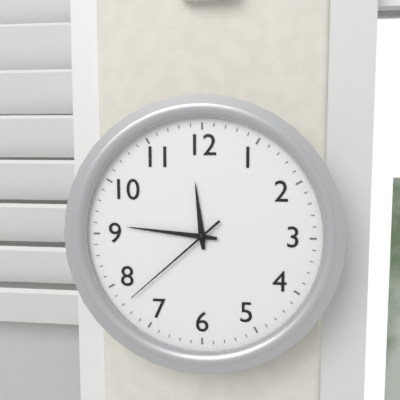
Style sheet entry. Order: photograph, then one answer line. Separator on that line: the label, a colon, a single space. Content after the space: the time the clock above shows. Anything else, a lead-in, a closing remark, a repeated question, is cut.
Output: 11:46:38
